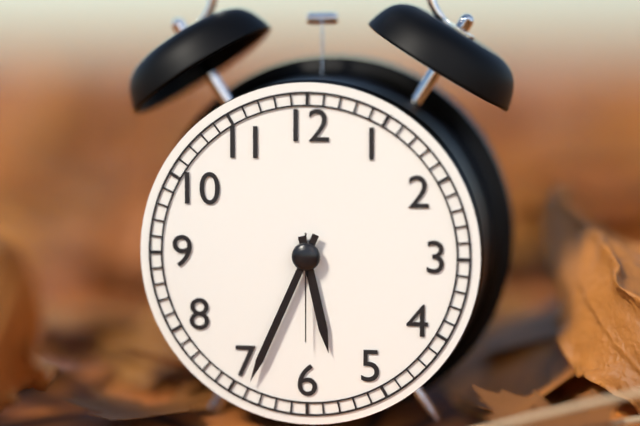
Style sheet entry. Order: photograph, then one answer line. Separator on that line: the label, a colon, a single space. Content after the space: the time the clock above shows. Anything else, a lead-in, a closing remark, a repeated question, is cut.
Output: 5:34:30
